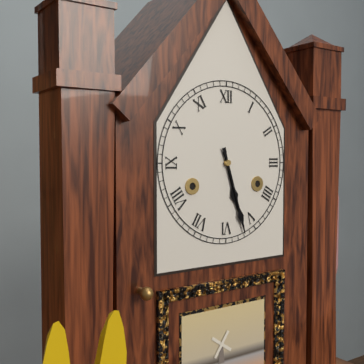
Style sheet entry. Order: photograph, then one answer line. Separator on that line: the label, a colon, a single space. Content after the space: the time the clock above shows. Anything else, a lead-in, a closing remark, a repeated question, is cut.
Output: 5:27
